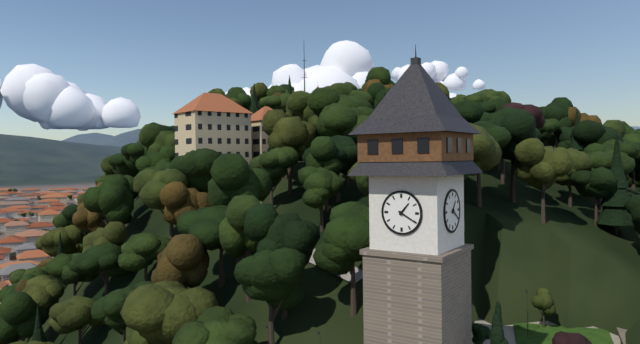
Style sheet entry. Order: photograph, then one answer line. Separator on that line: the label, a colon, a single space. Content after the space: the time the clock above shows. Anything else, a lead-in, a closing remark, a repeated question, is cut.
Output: 1:20
